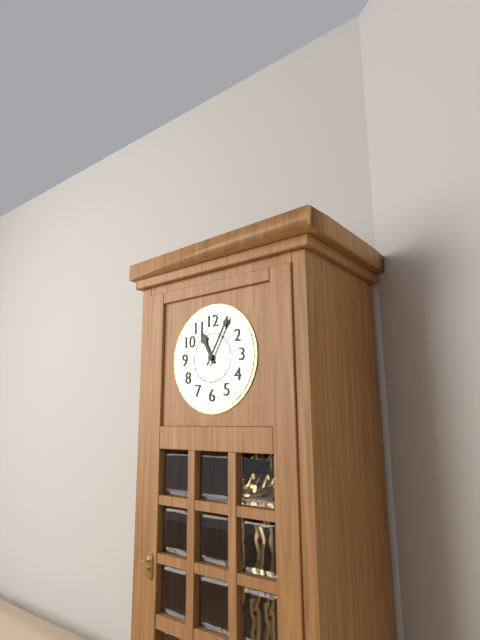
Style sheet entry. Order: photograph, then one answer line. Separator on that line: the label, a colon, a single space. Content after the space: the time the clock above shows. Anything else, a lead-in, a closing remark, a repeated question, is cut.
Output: 11:05
